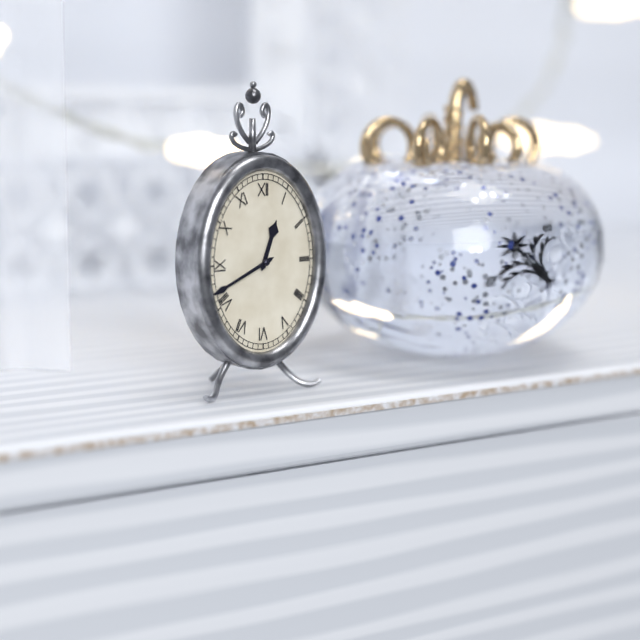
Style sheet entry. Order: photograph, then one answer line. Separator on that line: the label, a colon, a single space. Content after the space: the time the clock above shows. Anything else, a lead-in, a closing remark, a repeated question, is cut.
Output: 12:41
